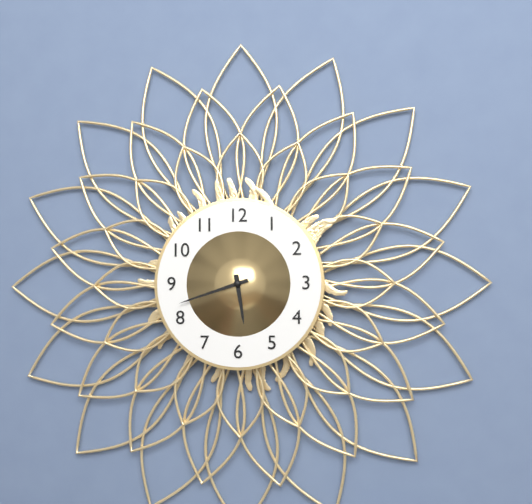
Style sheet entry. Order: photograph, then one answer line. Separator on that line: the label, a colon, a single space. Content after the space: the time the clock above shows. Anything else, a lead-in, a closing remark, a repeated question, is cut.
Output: 5:42
